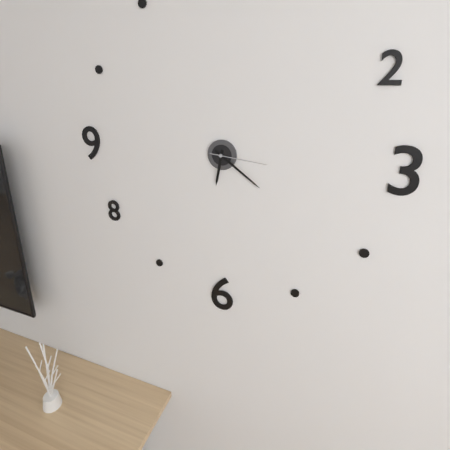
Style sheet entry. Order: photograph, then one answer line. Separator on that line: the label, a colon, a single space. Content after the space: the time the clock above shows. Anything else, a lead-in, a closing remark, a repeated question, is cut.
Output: 6:21:16
